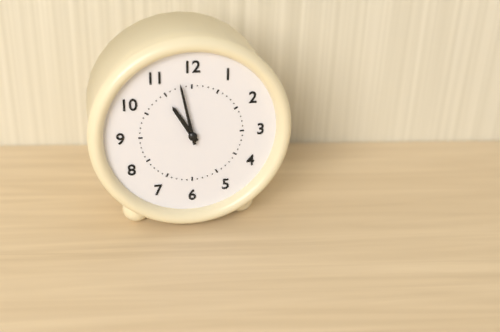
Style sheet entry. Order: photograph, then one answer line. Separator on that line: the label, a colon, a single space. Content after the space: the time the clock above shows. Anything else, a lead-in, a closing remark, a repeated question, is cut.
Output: 10:58
